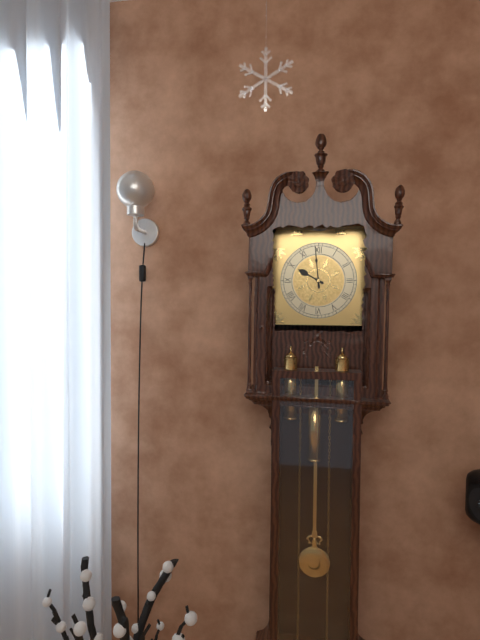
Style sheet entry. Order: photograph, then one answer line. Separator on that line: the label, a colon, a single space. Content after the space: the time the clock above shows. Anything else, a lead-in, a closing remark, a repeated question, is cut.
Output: 9:59
